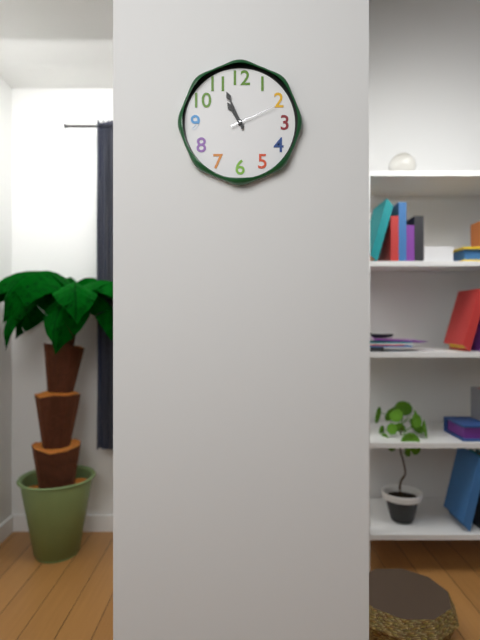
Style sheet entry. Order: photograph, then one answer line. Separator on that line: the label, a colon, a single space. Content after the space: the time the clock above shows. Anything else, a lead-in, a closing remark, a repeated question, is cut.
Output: 10:56
